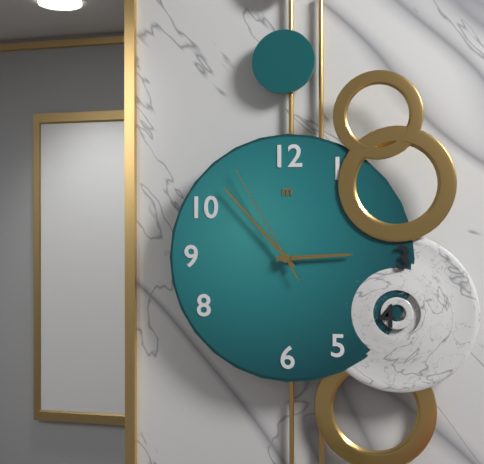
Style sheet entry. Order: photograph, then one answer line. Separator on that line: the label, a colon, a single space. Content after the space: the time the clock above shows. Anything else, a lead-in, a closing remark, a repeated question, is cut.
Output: 2:53:55
